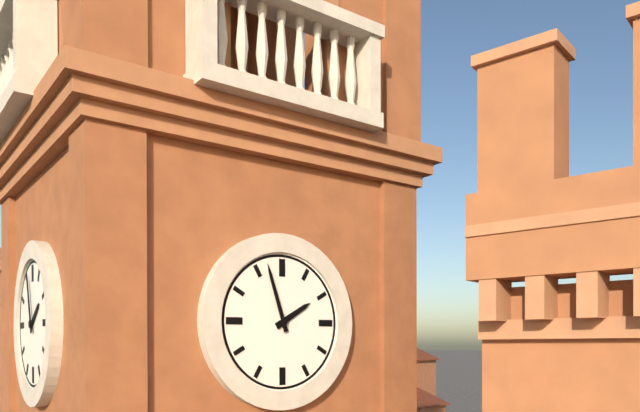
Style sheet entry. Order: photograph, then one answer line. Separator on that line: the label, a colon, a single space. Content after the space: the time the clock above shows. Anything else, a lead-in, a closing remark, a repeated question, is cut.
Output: 1:57
